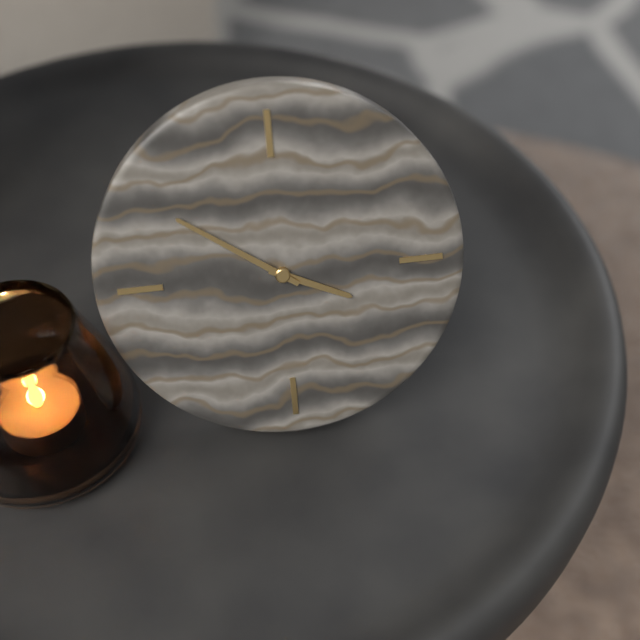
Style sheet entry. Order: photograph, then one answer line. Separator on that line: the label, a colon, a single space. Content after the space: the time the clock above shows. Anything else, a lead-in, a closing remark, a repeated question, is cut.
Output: 3:51
